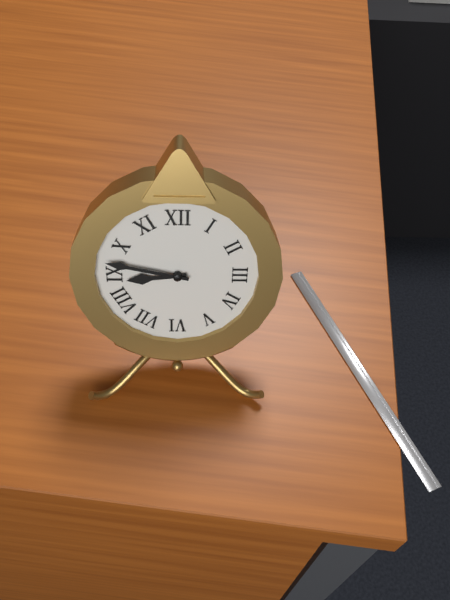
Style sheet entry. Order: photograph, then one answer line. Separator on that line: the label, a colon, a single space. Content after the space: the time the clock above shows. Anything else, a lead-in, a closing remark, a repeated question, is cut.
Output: 8:47
